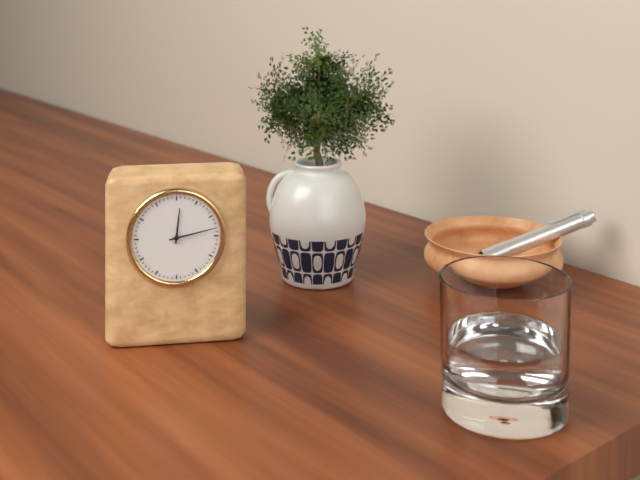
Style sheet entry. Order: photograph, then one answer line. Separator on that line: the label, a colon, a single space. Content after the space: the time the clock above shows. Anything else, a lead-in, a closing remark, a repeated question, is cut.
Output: 12:13
